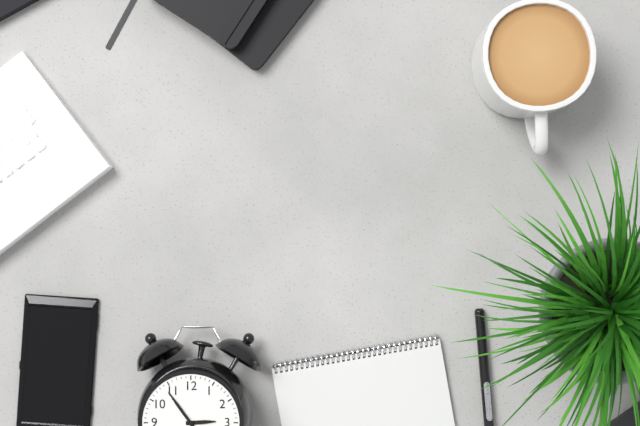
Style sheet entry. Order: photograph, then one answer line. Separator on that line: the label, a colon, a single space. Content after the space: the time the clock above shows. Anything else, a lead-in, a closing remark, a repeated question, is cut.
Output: 2:54
